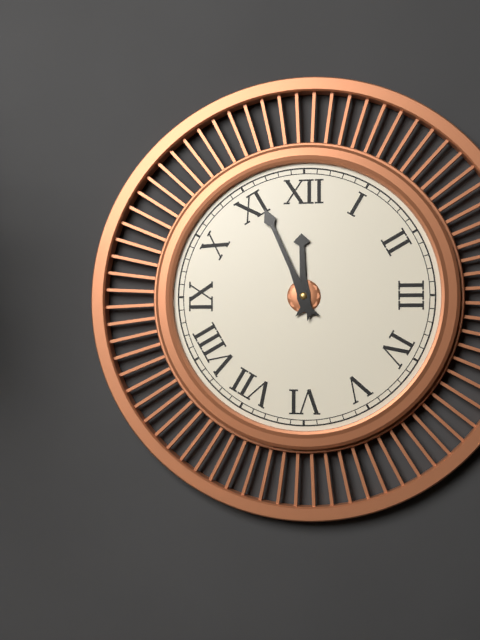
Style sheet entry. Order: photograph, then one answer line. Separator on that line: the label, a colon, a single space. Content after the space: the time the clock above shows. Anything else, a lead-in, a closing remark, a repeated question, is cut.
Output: 11:56
